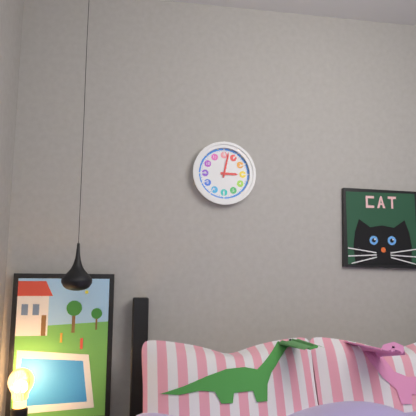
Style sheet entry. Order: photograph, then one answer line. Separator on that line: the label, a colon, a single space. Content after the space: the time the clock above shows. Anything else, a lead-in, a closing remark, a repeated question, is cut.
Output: 3:02
